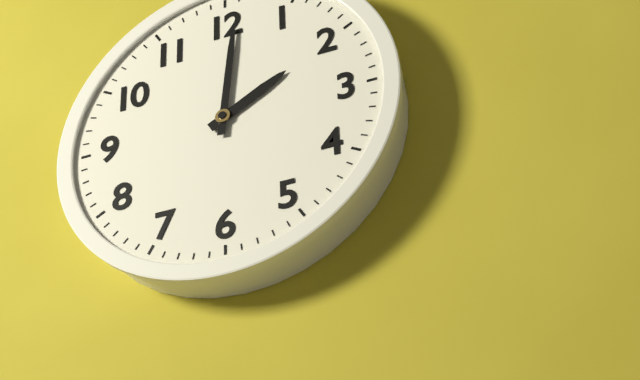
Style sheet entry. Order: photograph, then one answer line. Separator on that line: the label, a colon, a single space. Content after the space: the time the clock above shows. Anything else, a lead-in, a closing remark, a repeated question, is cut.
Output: 2:01
